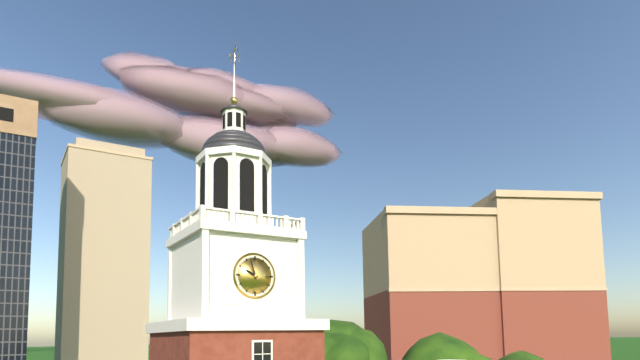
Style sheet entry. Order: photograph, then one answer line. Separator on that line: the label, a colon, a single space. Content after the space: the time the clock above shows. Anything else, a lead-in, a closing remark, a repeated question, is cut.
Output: 9:57
